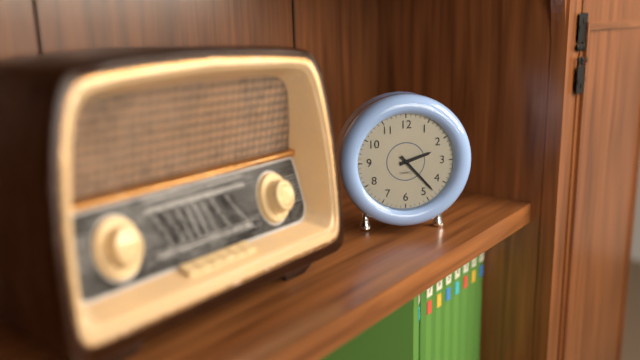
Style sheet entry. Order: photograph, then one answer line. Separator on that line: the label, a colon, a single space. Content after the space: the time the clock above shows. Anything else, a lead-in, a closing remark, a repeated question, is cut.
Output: 2:23
